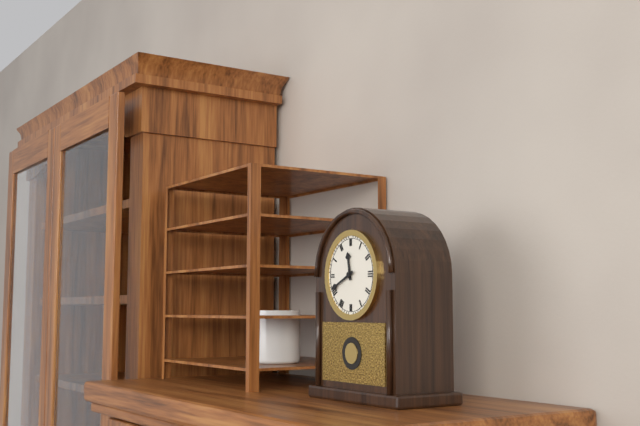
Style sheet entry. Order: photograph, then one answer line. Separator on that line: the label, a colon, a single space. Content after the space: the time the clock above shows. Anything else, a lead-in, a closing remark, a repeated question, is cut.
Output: 11:41
